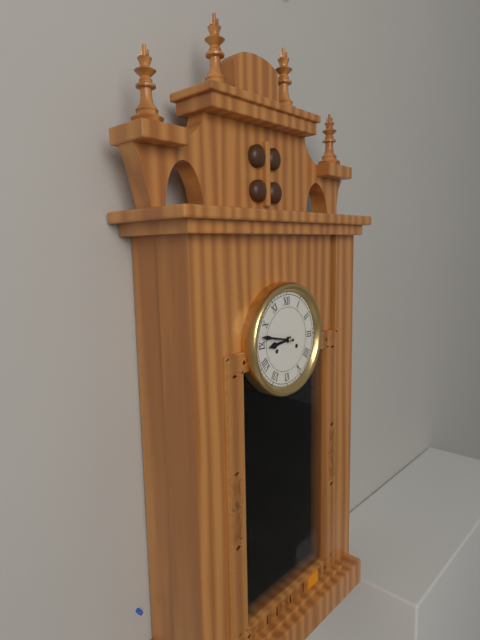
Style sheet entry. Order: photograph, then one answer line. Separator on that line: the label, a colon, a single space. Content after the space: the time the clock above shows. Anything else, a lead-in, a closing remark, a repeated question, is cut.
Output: 8:47
